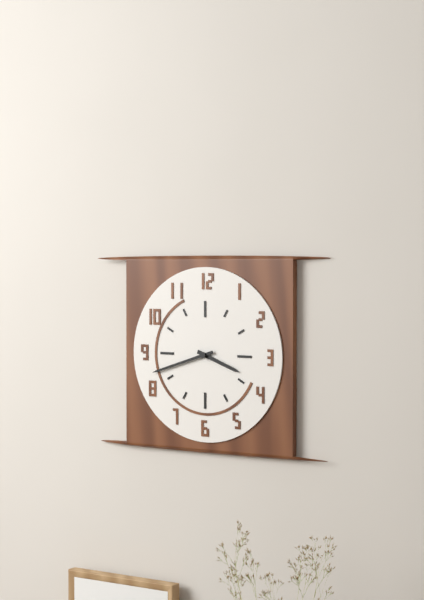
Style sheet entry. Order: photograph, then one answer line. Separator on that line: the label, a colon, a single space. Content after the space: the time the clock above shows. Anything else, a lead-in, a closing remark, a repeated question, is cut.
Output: 3:42
